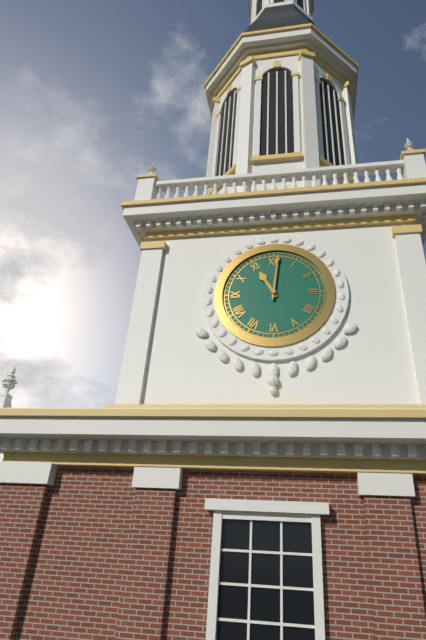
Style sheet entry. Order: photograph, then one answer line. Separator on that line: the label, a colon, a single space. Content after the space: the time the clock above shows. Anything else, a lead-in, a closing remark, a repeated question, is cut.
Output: 11:01
